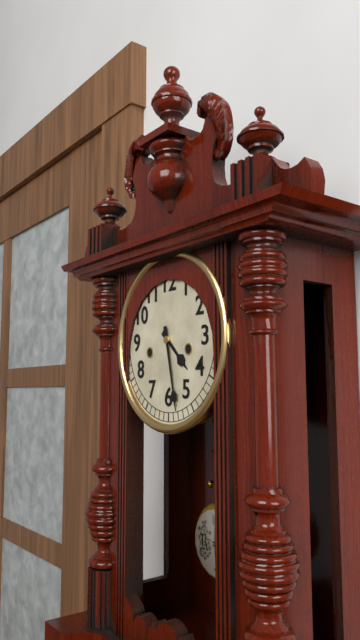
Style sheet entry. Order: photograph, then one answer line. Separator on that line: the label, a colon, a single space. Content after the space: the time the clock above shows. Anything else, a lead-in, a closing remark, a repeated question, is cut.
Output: 4:28
